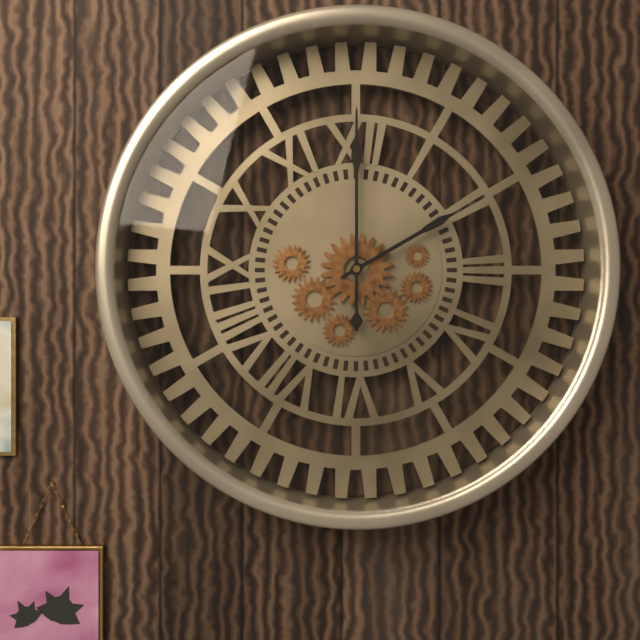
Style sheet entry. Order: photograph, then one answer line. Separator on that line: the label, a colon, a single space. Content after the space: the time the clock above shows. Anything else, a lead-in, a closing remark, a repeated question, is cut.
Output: 2:00
